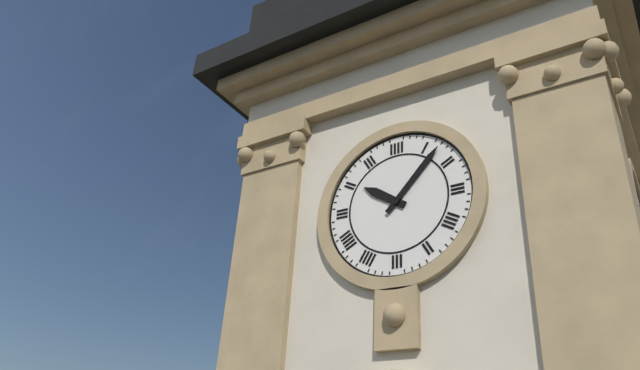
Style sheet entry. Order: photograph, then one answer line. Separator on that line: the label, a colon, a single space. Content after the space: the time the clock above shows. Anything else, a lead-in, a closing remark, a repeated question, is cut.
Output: 10:07
